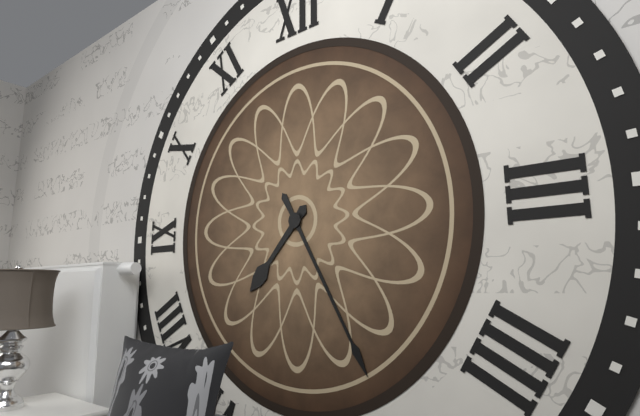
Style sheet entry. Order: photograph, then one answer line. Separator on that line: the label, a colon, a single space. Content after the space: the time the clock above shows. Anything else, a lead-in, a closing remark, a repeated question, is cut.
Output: 7:25
